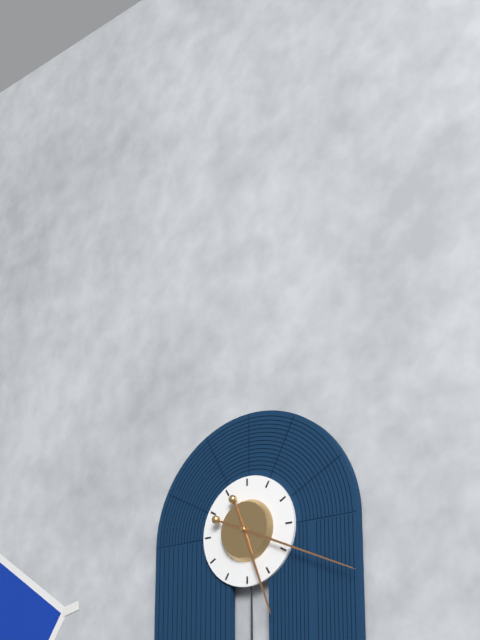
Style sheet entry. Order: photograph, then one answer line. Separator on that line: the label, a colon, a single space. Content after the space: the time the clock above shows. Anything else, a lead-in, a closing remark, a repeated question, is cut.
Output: 5:19
